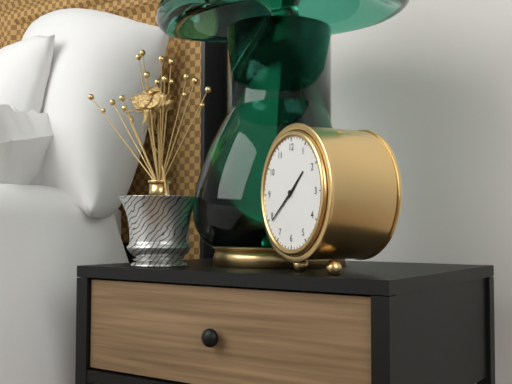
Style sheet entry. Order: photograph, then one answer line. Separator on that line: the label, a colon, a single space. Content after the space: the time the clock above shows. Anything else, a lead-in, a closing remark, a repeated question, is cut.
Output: 1:39
